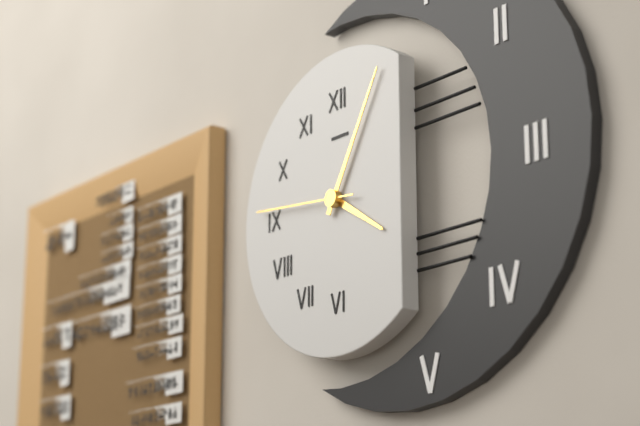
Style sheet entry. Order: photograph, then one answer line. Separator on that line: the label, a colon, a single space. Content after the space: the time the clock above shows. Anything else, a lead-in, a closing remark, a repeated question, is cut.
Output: 4:05:46
